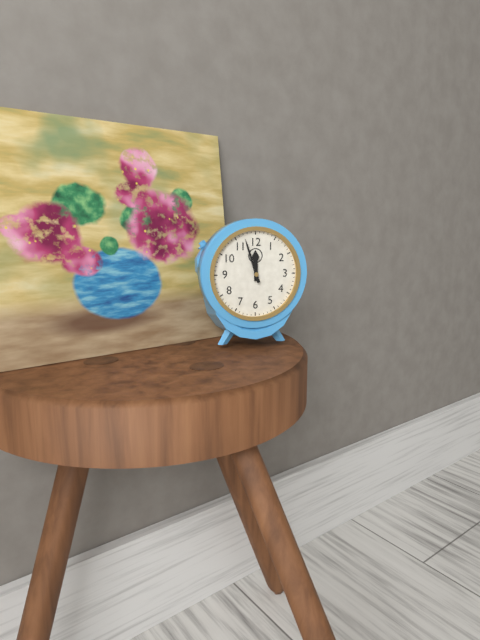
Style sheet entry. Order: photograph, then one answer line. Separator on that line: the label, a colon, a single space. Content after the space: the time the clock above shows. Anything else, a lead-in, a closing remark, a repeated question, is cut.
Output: 11:57
